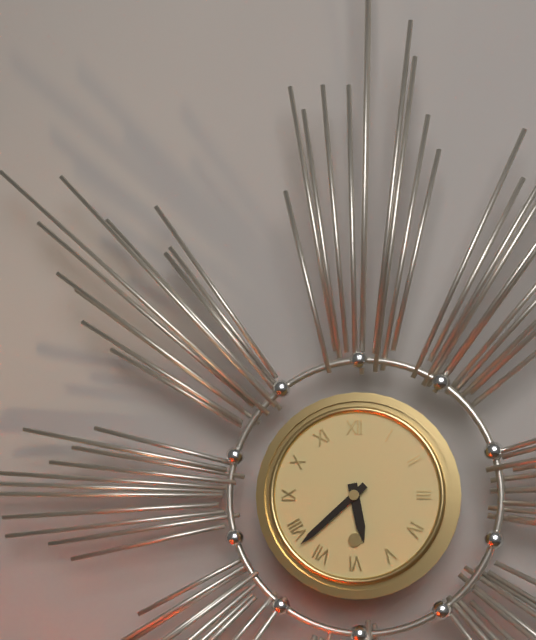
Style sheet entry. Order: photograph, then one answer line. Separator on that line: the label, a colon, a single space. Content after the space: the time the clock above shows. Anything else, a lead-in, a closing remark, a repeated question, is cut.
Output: 5:38
